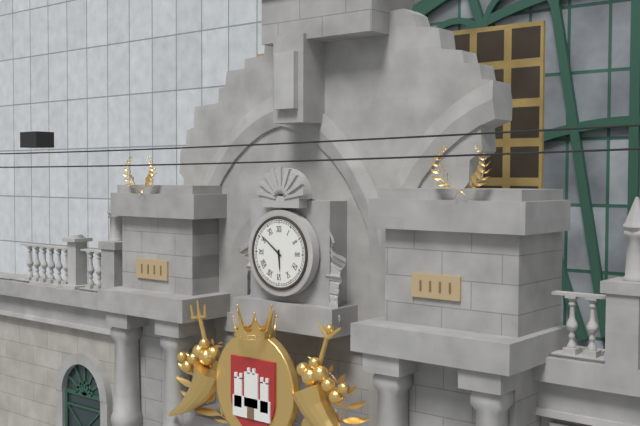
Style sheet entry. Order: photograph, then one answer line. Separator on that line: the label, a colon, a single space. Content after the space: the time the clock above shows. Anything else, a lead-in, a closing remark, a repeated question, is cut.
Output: 5:51
